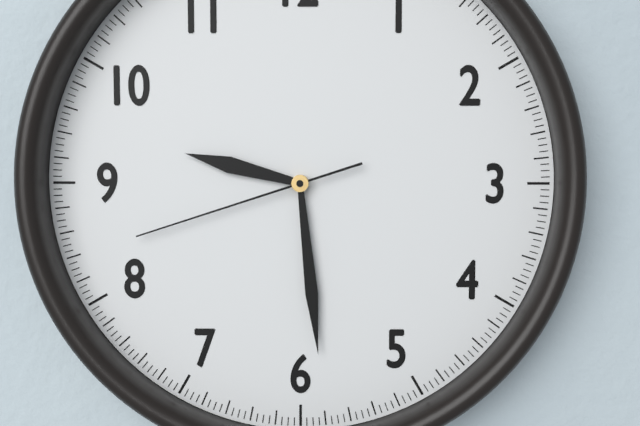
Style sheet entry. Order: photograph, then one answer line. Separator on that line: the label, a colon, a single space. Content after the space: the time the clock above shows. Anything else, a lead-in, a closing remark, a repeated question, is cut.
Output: 9:29:42
